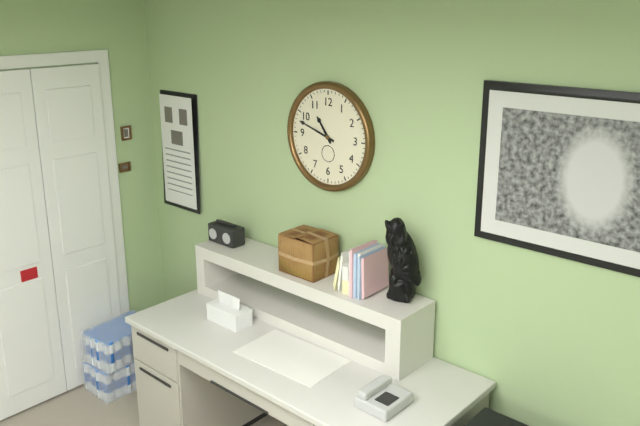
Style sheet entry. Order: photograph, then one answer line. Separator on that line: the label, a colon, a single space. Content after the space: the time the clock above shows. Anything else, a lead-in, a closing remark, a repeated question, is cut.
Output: 10:48
